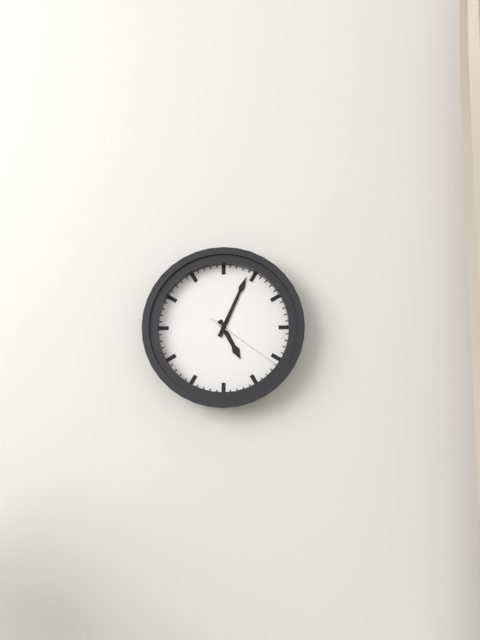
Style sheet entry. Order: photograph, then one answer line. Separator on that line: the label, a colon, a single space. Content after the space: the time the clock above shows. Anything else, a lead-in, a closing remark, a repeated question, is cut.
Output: 5:04:21
